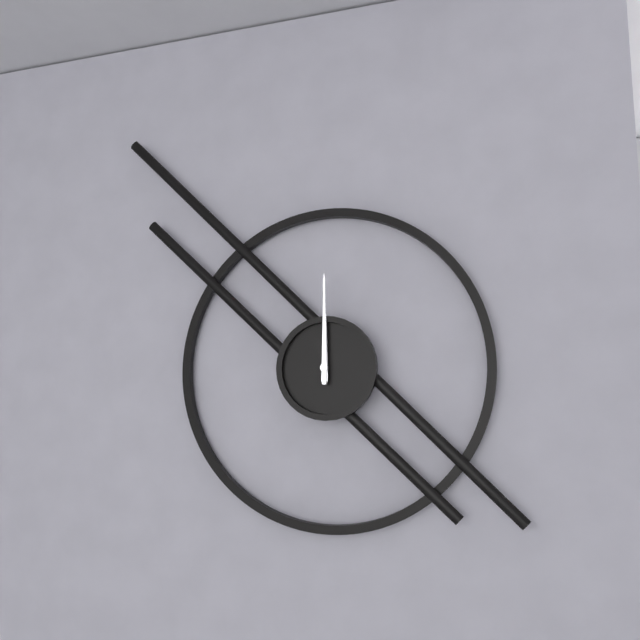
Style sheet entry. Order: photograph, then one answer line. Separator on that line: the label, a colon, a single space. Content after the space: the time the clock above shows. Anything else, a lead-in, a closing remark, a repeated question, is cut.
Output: 12:00
